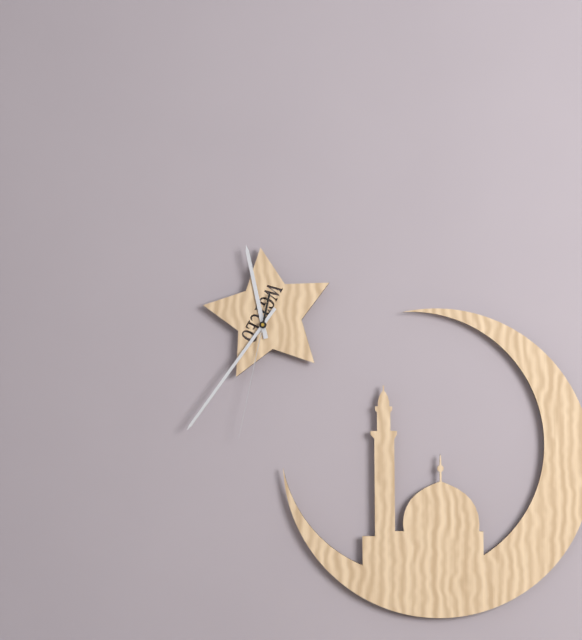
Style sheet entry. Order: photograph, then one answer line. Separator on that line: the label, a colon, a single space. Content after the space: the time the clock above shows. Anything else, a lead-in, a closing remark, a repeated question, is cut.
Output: 11:36:32
